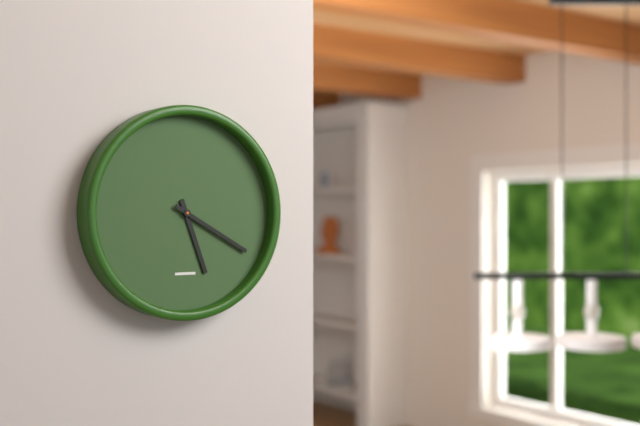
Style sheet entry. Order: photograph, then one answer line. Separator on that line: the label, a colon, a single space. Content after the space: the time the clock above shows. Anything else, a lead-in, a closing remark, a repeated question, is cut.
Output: 5:20
